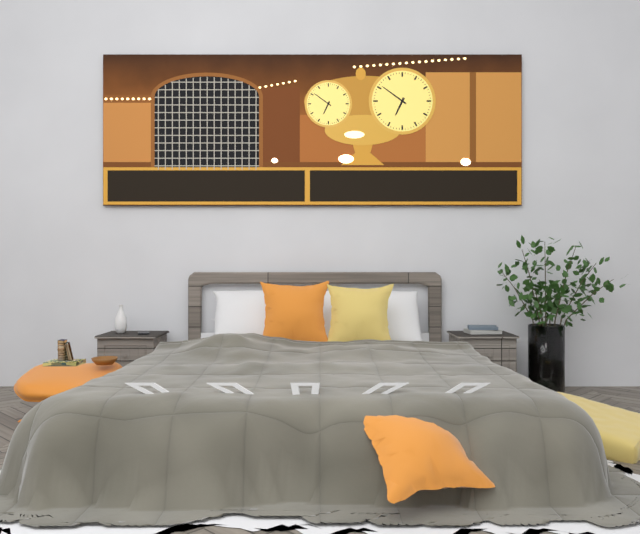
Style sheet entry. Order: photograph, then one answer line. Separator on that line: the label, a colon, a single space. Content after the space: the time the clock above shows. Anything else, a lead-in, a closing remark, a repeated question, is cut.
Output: 6:51
